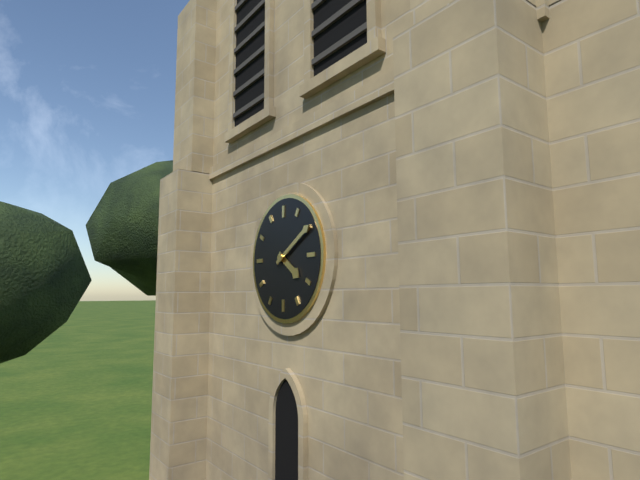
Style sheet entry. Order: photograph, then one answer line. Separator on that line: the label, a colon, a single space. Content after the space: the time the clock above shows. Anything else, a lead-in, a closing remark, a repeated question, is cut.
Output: 4:10
